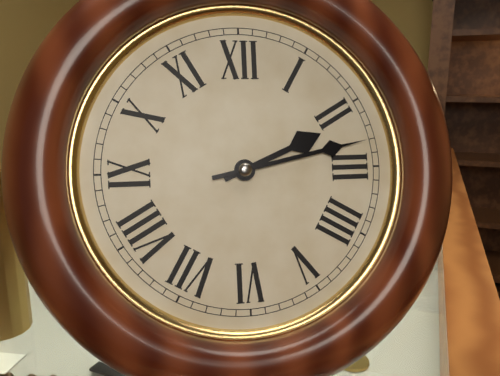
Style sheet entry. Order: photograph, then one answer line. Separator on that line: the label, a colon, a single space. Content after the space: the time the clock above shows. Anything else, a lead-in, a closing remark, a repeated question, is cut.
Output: 2:13
